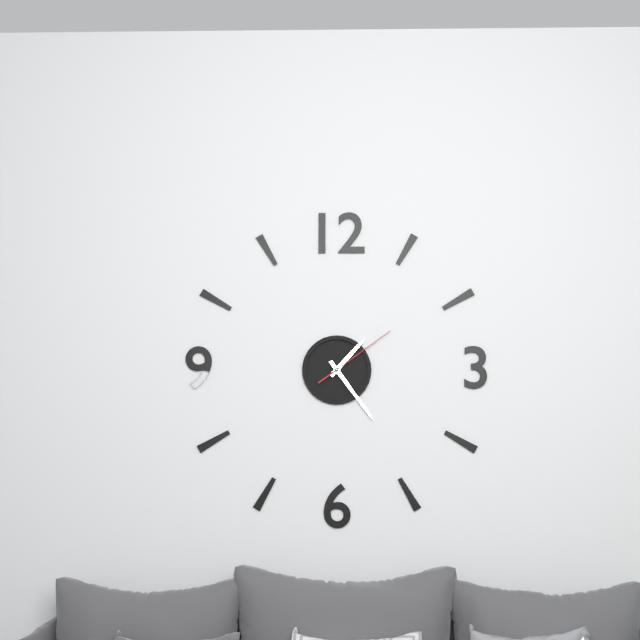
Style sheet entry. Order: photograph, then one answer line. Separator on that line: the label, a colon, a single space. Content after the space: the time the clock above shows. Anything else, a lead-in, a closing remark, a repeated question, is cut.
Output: 1:24:09
